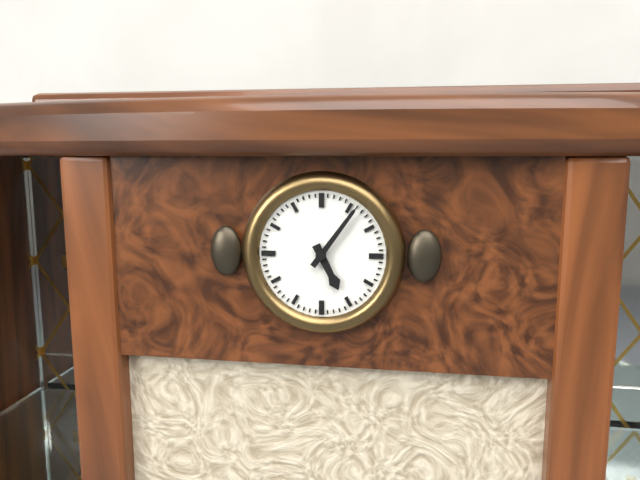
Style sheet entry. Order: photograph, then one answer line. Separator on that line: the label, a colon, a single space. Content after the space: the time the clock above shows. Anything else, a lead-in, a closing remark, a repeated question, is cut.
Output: 5:06
